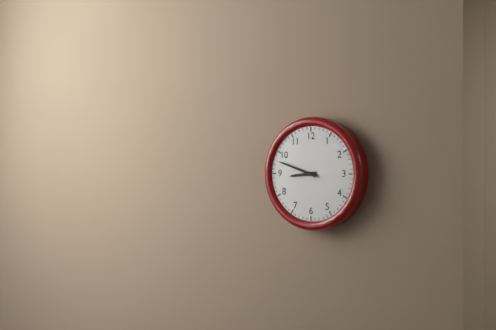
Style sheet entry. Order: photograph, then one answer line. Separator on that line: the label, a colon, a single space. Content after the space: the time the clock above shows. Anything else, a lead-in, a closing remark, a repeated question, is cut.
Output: 8:48
